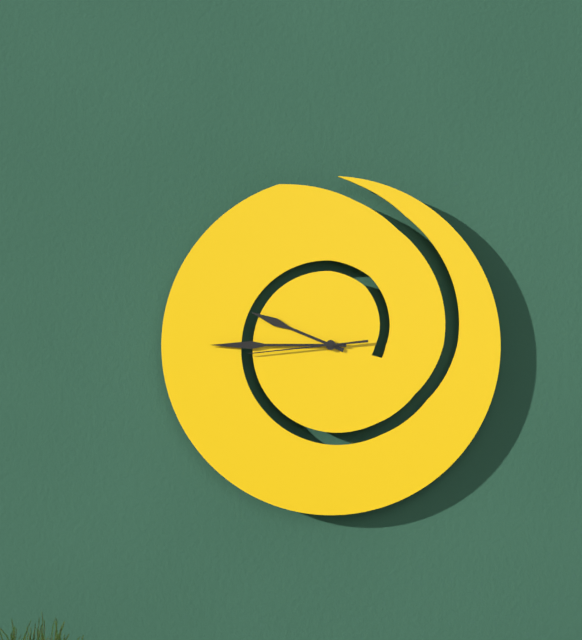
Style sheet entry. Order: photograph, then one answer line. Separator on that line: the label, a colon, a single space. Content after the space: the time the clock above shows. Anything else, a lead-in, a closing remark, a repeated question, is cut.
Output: 9:45:44
